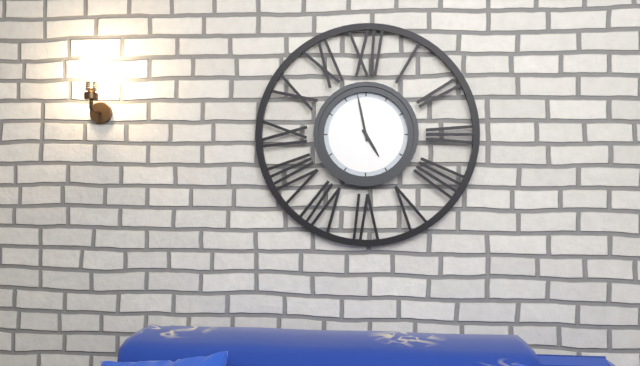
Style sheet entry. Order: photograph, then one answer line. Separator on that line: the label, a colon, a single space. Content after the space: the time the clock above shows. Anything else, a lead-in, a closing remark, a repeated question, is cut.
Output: 4:58
